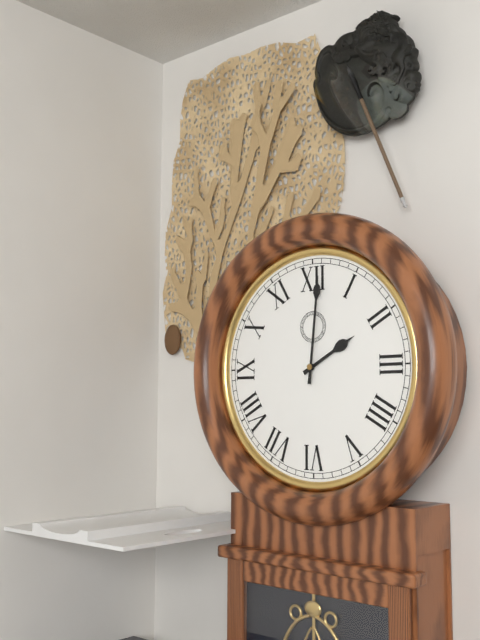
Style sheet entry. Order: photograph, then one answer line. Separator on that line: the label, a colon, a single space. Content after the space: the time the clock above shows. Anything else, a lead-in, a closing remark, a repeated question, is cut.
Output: 2:01
